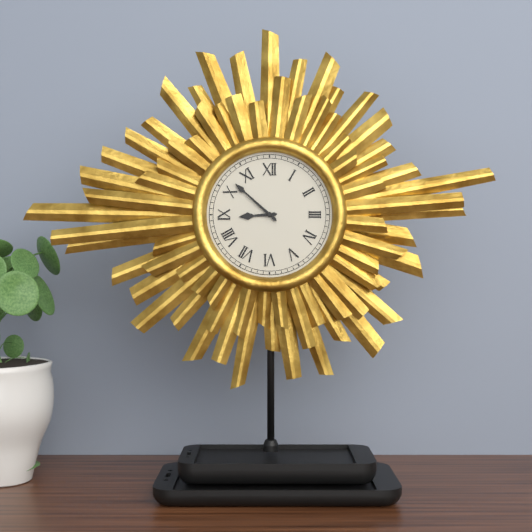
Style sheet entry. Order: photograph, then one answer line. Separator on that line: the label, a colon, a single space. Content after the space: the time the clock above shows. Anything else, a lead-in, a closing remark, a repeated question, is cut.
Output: 8:52
